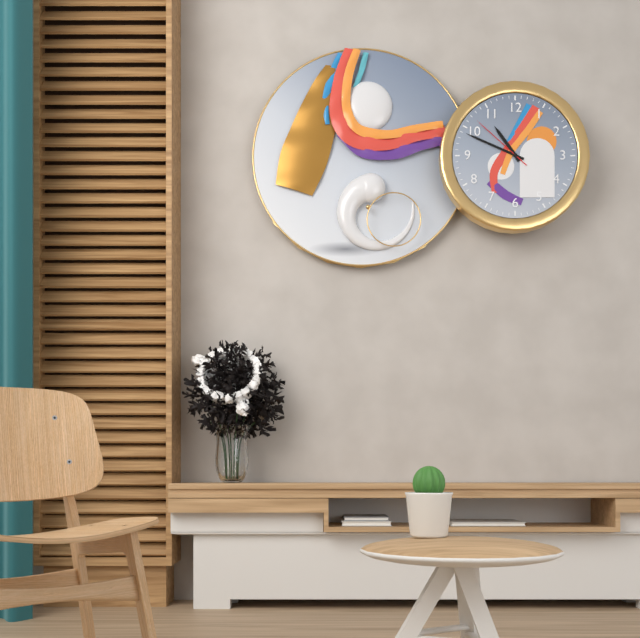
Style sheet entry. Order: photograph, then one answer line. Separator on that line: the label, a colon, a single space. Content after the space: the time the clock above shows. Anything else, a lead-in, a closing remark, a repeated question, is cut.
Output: 10:49:52
